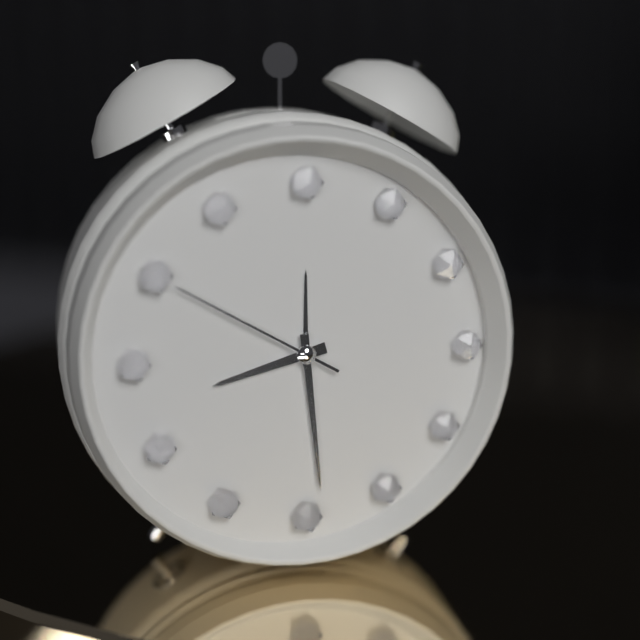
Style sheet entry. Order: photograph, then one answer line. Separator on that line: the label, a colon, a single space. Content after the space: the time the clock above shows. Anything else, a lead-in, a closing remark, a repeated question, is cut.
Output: 8:29:50
